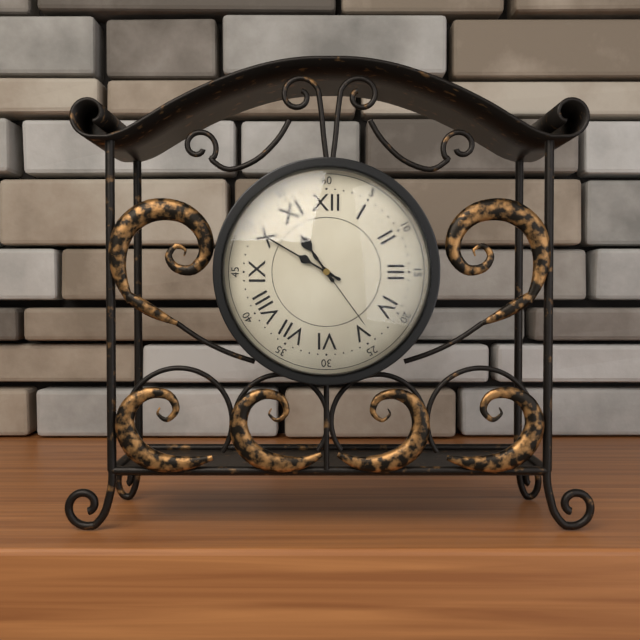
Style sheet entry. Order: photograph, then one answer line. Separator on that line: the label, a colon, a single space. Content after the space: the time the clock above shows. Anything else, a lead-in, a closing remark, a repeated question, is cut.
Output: 10:50:24
